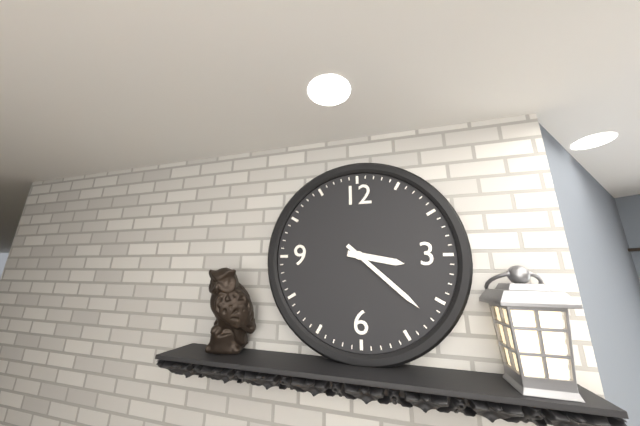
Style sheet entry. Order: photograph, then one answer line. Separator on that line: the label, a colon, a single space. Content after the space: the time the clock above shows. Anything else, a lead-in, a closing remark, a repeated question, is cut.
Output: 3:22
